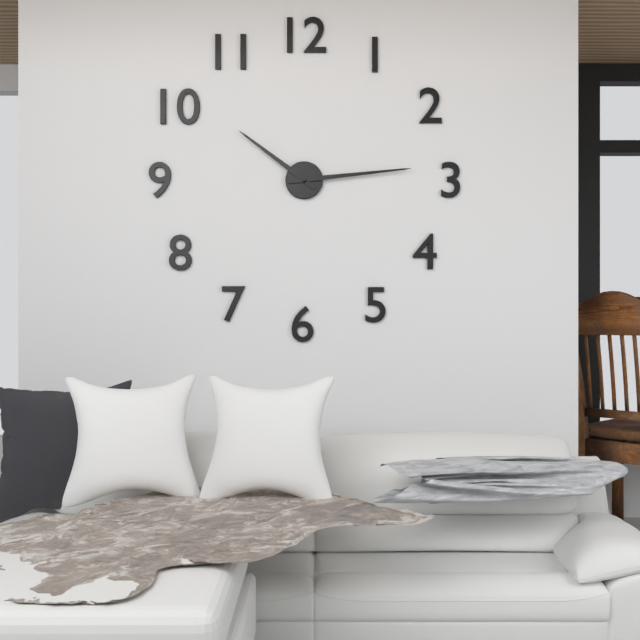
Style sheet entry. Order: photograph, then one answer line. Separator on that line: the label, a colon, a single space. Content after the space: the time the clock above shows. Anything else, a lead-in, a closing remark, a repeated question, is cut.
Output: 10:14
